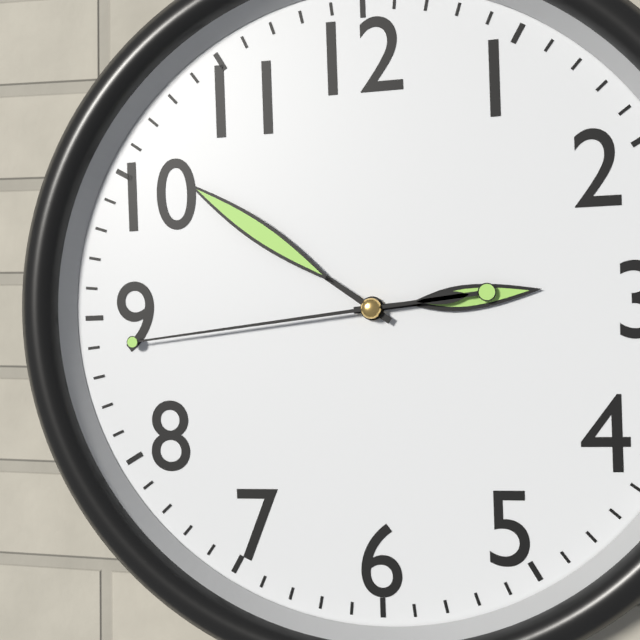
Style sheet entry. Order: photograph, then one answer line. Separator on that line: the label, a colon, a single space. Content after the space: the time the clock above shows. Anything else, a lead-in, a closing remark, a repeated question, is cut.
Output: 2:51:44
